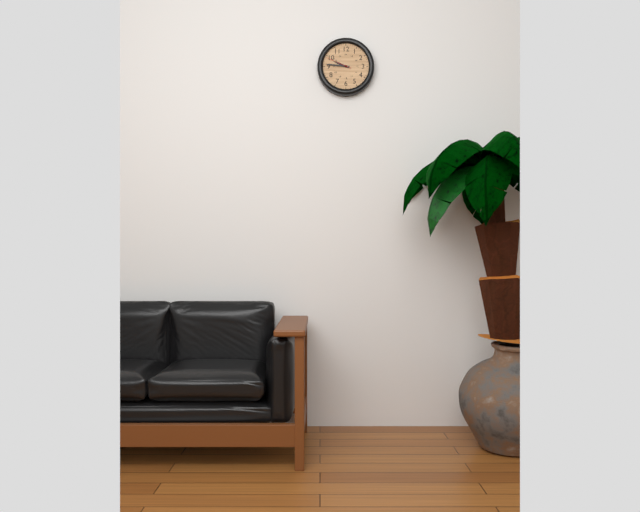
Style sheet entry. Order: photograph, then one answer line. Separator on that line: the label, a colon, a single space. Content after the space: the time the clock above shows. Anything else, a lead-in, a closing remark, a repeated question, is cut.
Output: 9:46
